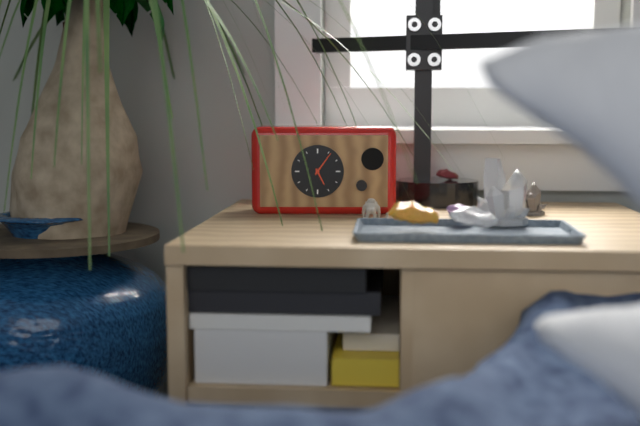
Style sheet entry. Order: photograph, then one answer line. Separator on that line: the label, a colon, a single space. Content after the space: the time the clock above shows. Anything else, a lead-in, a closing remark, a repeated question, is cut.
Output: 5:06
